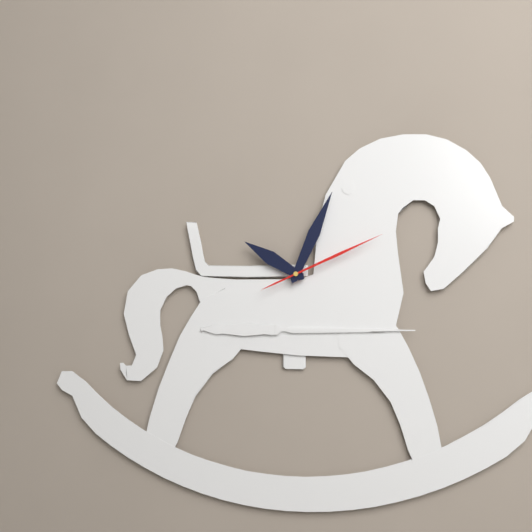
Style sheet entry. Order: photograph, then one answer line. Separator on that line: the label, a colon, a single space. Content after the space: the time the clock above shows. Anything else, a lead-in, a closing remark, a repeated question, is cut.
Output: 10:04:11
